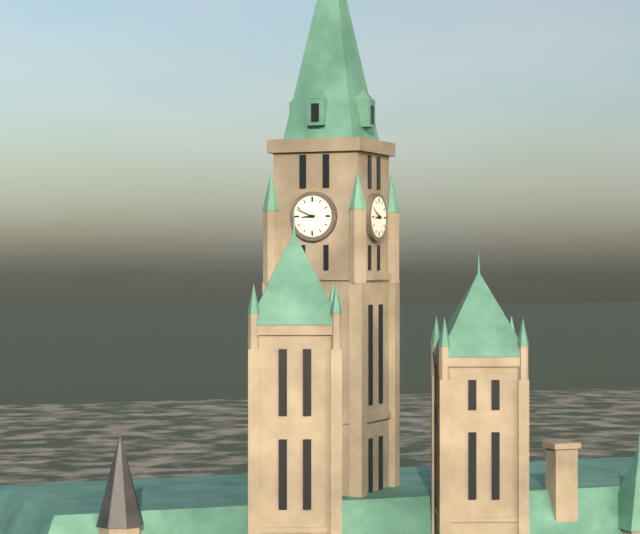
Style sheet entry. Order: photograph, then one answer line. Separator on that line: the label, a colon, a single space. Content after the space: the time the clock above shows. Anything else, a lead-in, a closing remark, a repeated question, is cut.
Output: 8:49
